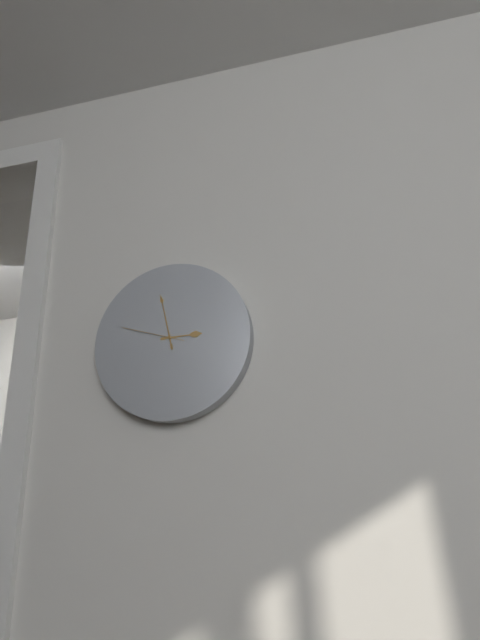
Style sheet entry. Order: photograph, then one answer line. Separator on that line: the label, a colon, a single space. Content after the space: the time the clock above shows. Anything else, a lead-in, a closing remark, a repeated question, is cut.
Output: 2:58:48
